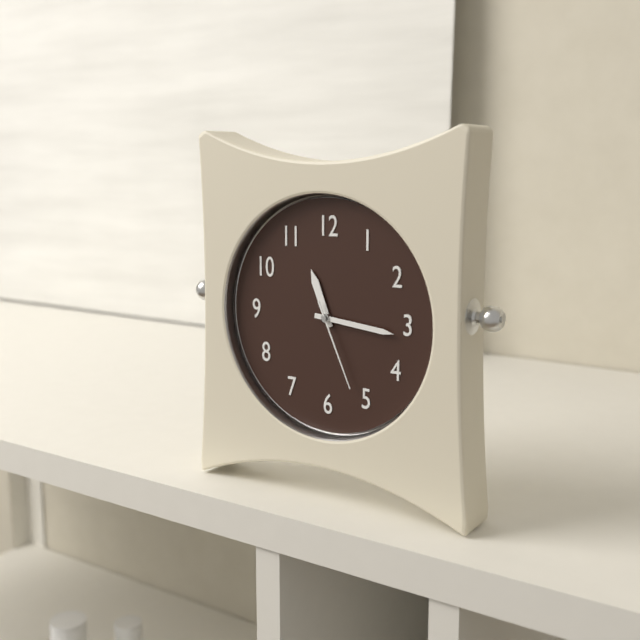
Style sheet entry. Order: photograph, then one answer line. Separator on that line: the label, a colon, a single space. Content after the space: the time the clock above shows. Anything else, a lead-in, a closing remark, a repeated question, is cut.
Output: 11:16:26
